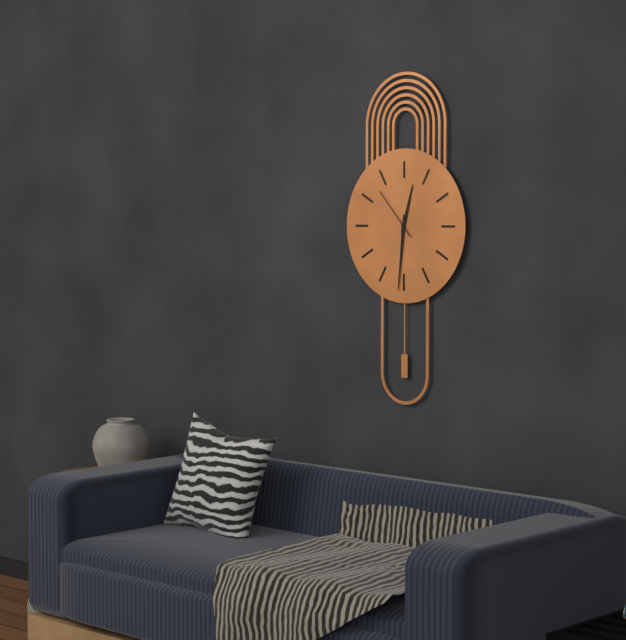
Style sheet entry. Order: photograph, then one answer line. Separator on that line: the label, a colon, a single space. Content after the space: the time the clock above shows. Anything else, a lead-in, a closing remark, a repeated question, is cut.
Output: 12:31:53
